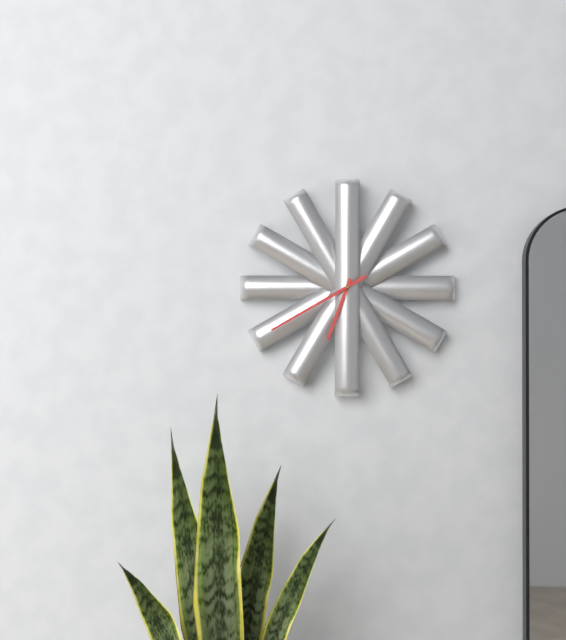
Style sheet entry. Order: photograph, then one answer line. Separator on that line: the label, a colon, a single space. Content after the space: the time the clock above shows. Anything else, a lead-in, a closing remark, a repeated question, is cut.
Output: 6:40
